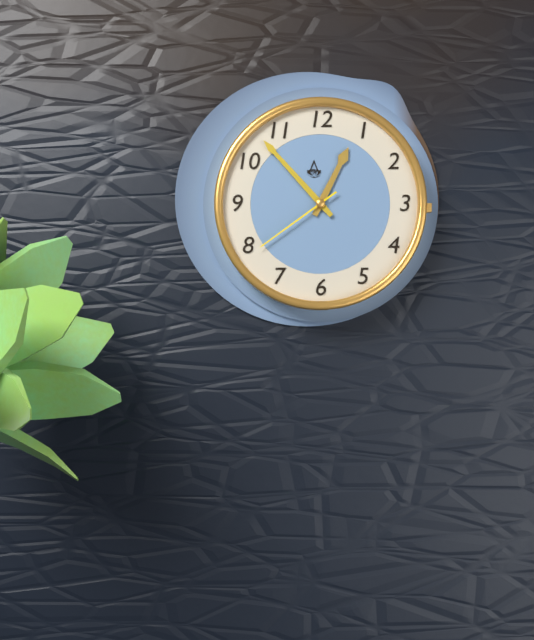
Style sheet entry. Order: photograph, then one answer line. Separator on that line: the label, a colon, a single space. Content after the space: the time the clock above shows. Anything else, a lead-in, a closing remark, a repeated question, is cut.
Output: 12:53:39
